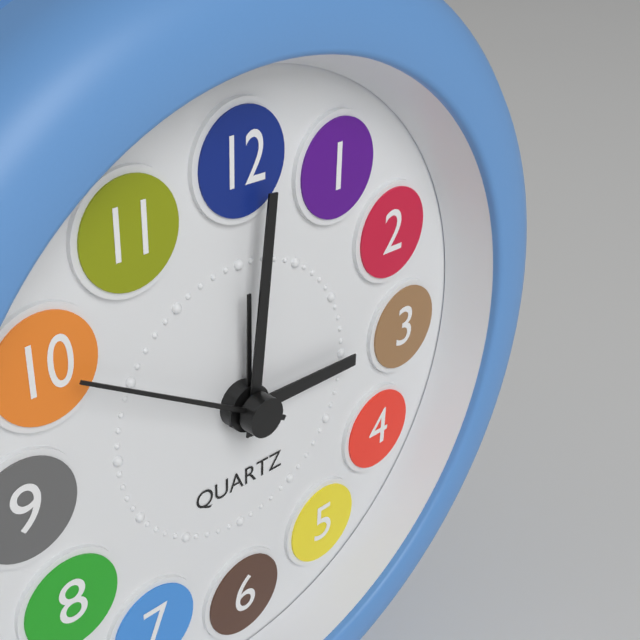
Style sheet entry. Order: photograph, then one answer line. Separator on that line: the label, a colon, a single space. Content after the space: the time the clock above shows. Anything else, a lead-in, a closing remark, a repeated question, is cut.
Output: 3:01:50
